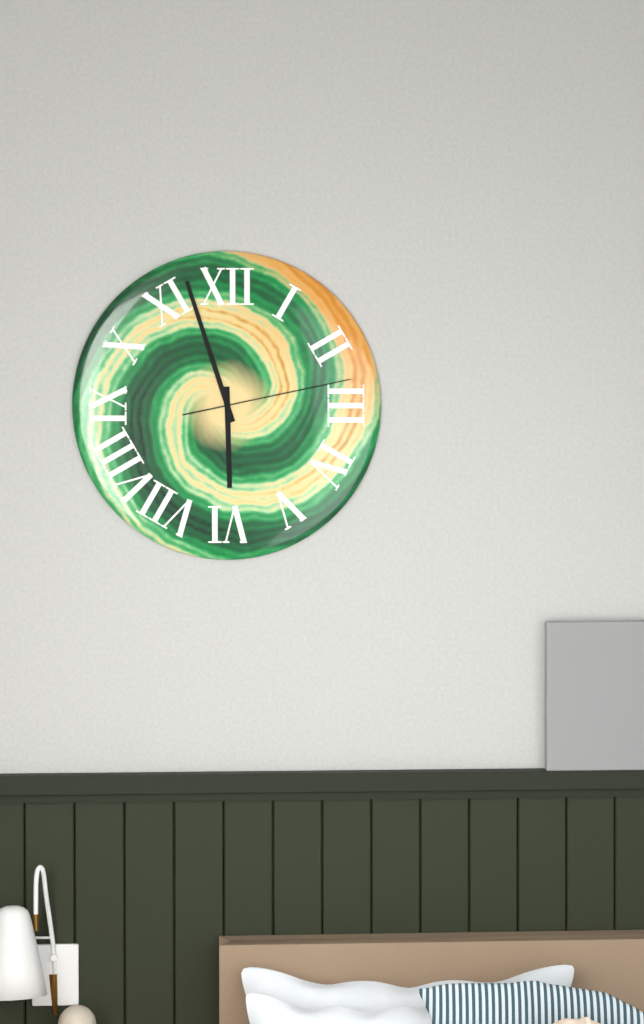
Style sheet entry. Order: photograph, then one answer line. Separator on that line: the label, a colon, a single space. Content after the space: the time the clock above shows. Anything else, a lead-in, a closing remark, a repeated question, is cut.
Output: 5:57:13
